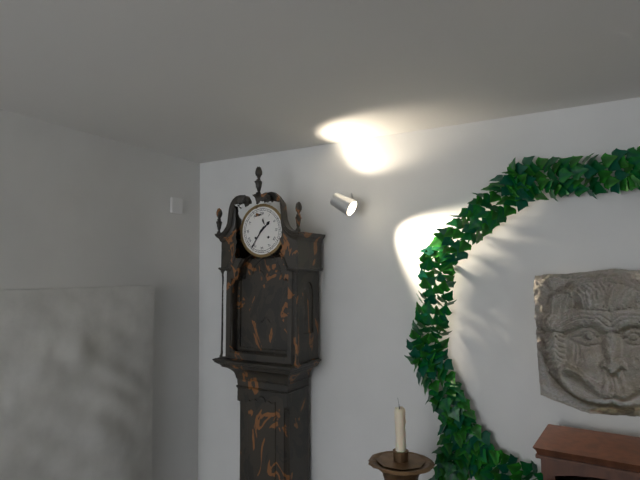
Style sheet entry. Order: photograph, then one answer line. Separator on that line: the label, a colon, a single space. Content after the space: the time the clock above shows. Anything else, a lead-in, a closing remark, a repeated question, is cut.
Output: 1:36
